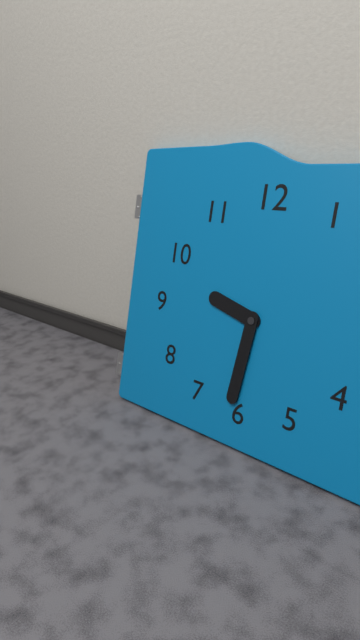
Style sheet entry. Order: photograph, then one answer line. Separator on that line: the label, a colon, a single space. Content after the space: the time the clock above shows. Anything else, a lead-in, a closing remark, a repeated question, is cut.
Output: 9:31
